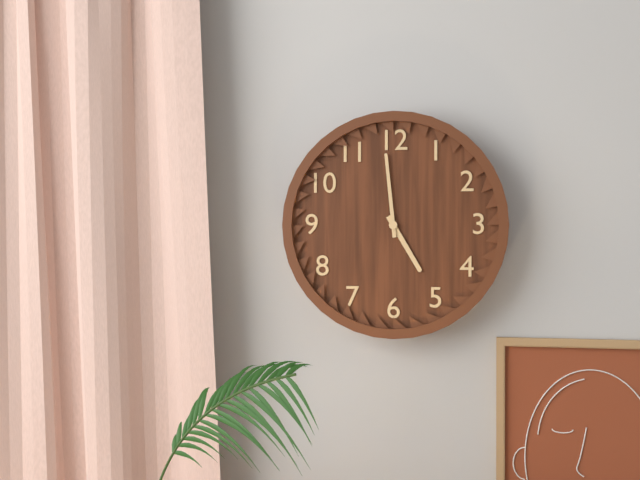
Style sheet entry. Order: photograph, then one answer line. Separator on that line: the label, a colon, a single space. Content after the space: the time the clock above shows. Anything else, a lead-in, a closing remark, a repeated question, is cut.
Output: 4:59
